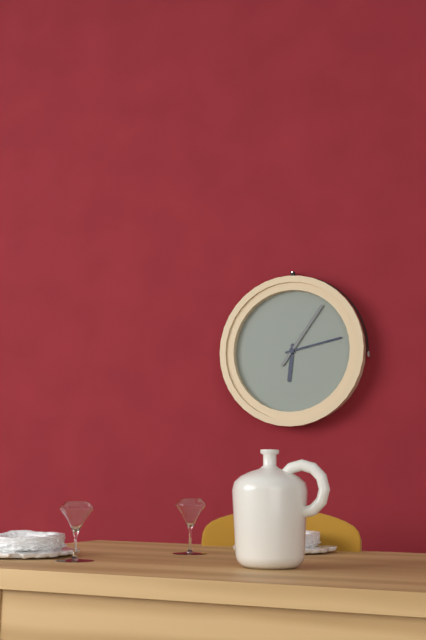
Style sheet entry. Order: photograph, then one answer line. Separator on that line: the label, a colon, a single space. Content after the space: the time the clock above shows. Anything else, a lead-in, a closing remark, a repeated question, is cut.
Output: 6:13:06
